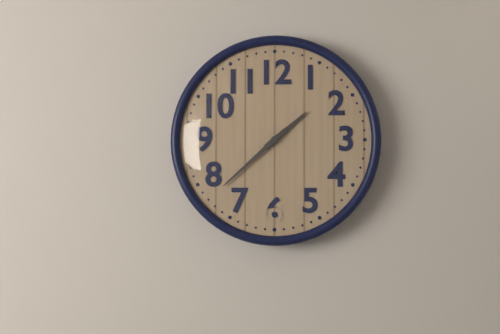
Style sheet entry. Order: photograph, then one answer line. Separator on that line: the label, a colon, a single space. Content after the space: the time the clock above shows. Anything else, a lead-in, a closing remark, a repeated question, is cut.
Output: 1:38
